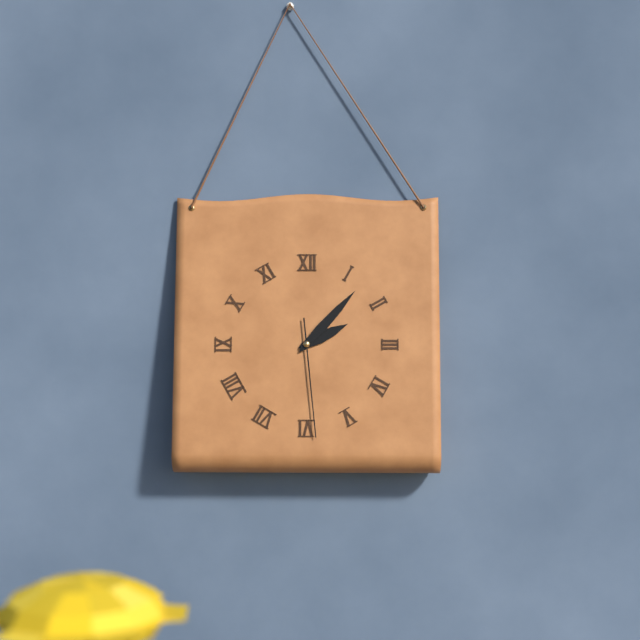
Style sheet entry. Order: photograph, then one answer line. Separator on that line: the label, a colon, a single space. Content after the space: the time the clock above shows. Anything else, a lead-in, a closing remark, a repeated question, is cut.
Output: 2:07:29
